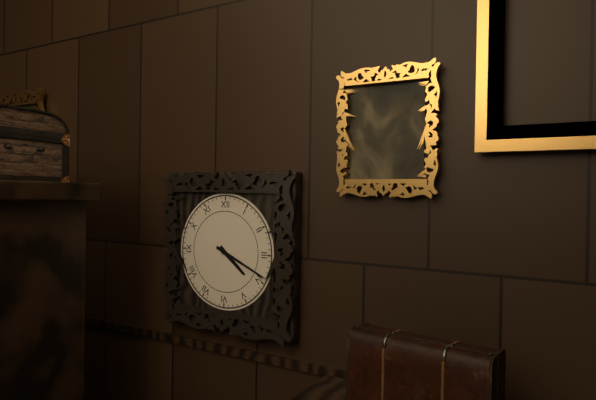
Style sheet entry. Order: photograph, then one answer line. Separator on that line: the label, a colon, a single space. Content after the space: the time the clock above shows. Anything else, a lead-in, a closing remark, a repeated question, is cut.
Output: 4:19
